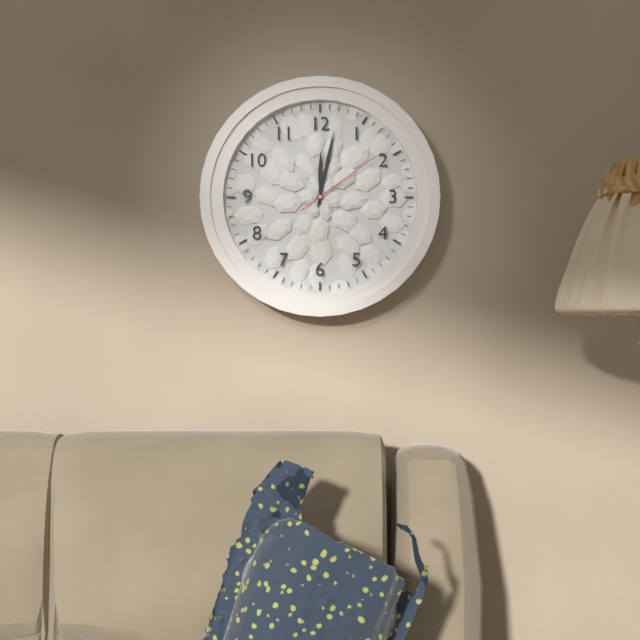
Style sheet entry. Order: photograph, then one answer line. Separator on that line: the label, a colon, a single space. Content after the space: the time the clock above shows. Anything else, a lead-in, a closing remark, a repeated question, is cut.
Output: 12:02:09
